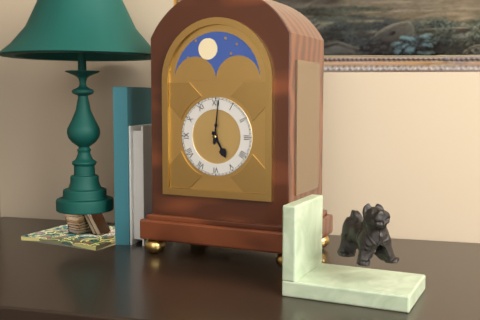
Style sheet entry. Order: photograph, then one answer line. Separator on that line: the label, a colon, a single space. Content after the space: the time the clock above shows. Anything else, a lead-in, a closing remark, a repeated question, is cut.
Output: 5:01
